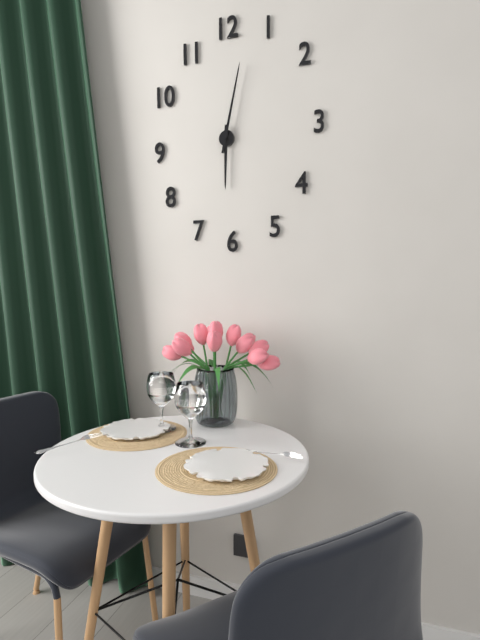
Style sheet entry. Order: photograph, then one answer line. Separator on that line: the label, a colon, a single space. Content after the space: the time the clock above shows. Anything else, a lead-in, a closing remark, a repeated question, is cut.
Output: 6:02
